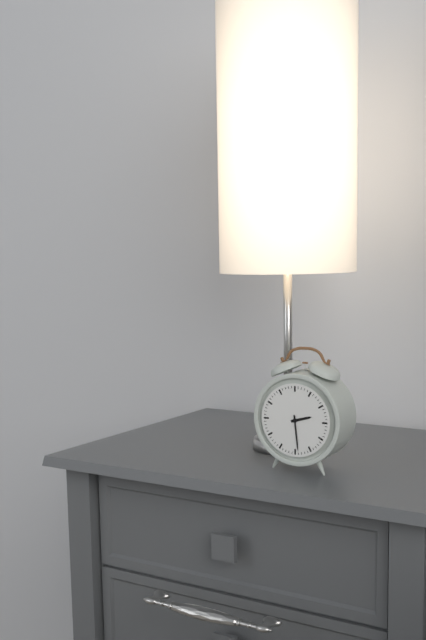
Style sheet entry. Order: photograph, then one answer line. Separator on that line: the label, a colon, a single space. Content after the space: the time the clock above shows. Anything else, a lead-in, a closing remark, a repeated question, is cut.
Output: 2:29
